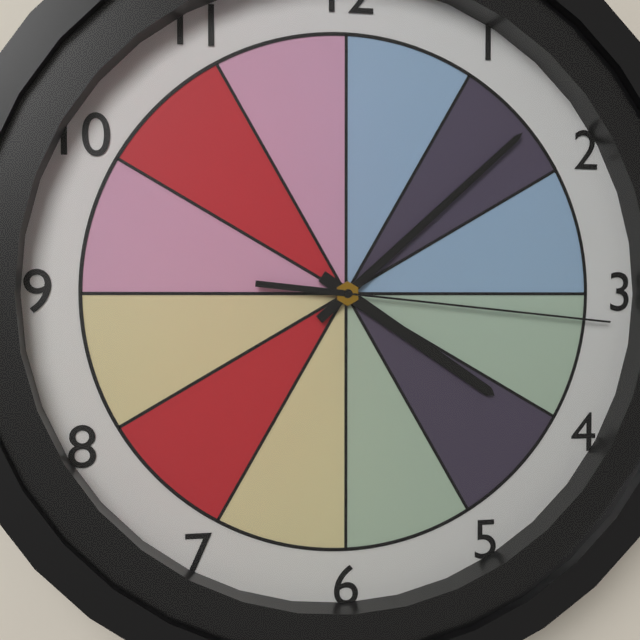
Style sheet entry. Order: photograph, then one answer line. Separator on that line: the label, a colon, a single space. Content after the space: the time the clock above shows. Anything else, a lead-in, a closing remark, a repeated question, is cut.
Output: 4:08:16
